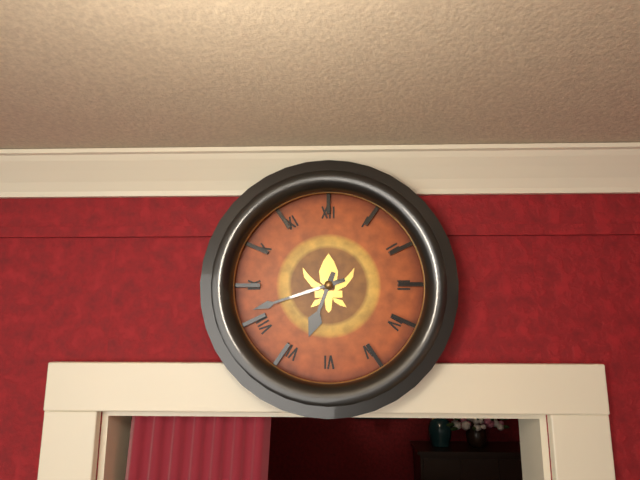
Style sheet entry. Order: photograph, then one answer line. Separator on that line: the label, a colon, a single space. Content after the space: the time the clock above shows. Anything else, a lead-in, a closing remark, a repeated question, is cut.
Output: 6:42
